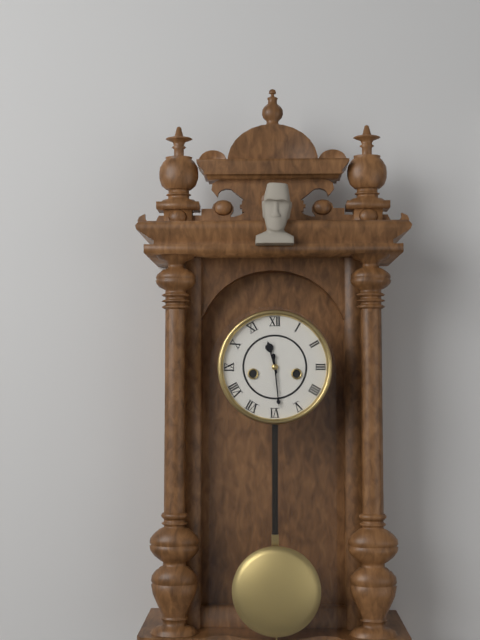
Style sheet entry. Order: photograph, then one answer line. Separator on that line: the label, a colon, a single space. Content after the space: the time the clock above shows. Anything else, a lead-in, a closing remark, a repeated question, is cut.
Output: 11:29
